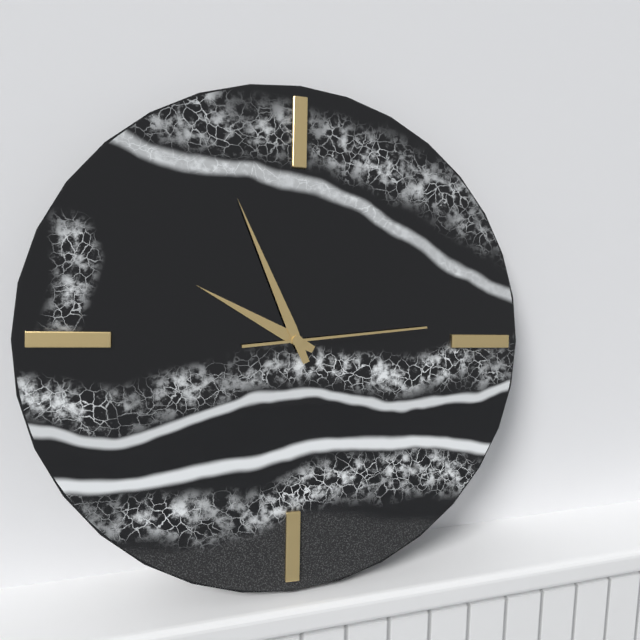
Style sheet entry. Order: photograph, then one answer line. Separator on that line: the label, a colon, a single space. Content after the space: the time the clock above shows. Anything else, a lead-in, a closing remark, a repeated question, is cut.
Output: 9:56:14
